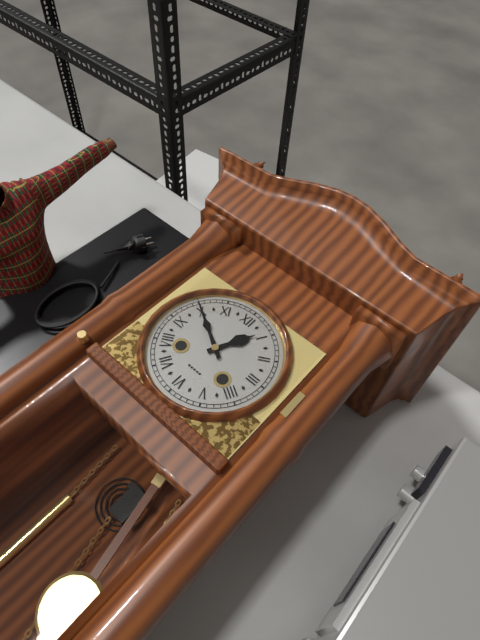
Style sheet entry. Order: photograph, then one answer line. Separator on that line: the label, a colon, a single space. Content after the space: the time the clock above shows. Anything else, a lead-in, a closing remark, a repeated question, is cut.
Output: 12:50
